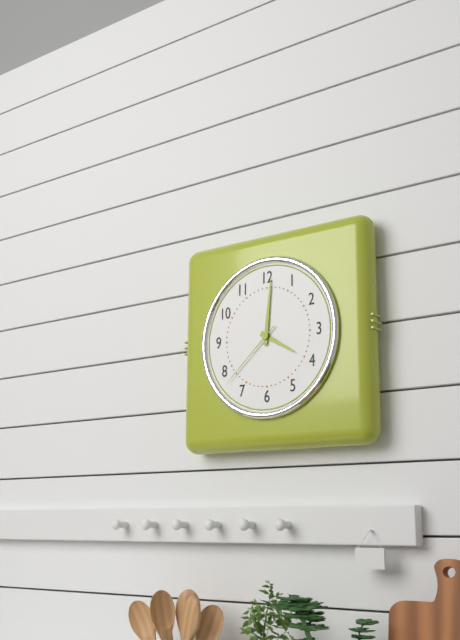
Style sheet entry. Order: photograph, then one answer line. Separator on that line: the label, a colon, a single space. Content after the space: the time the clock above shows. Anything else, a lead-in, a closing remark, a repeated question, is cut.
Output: 4:01:38
